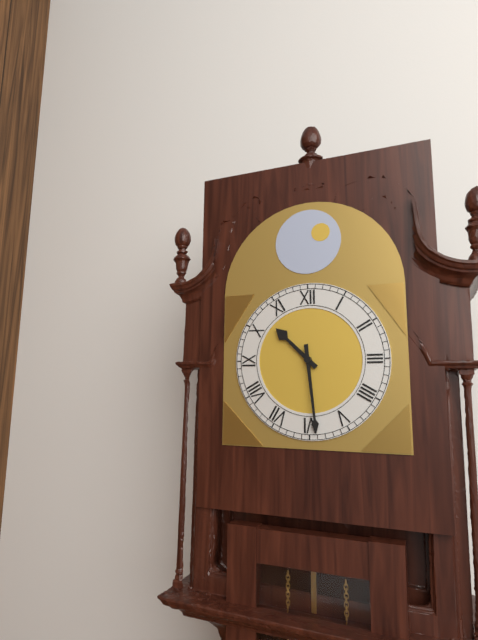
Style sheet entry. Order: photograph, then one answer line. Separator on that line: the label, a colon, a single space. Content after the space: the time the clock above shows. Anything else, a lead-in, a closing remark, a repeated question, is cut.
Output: 10:29
